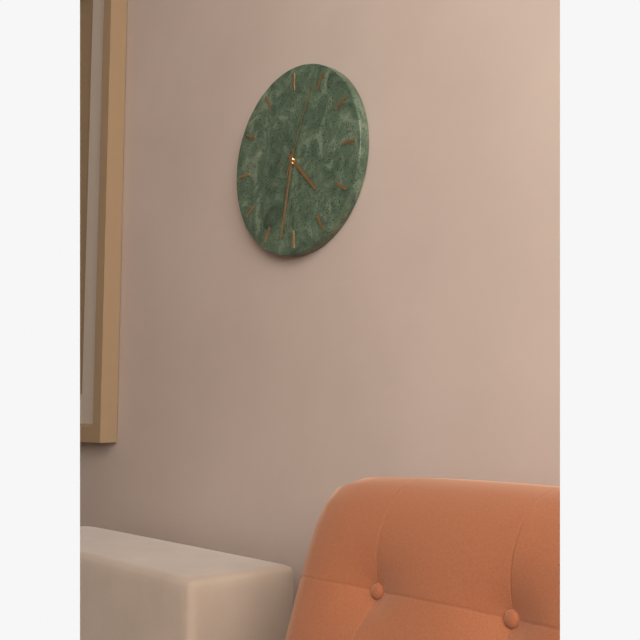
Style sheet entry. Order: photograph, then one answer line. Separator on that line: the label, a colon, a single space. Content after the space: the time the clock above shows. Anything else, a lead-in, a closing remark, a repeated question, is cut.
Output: 4:32:04
